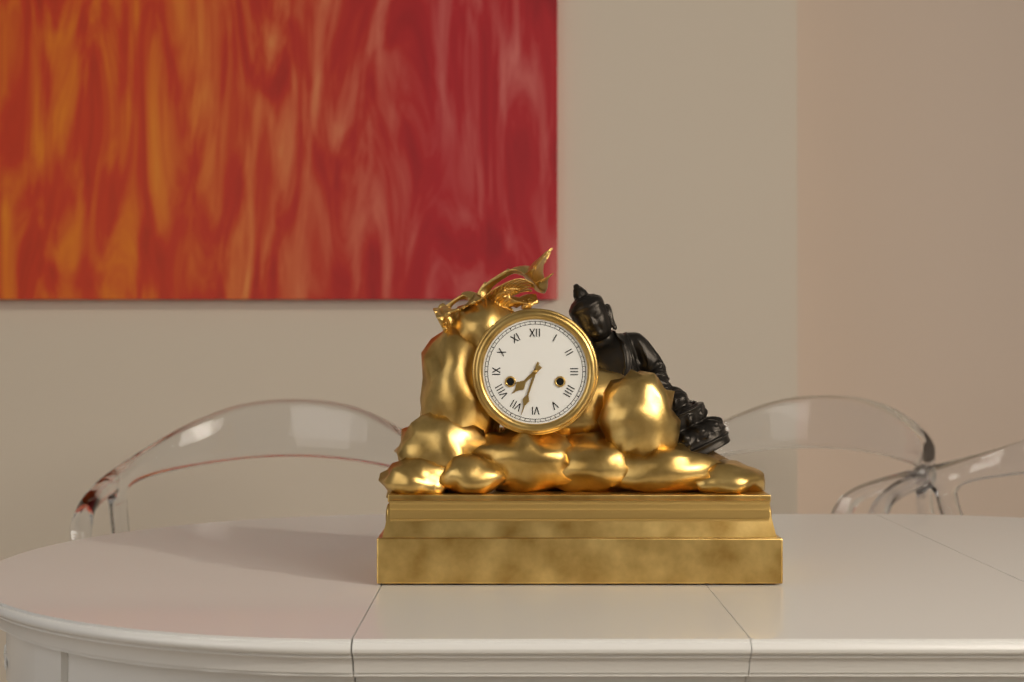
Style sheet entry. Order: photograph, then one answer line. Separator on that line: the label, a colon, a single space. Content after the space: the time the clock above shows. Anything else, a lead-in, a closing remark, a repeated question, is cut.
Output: 7:33
